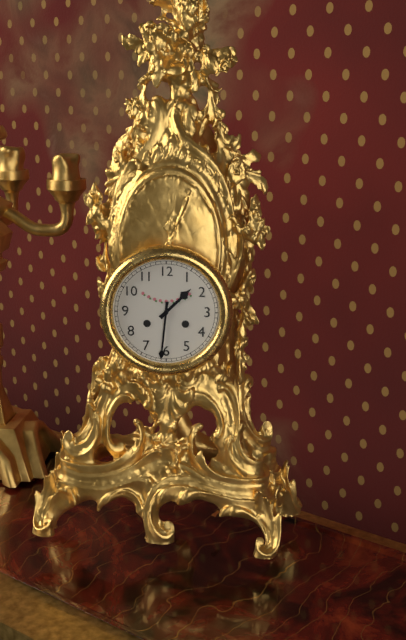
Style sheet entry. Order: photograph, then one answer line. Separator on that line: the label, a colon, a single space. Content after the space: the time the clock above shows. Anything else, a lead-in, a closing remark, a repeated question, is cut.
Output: 1:31
